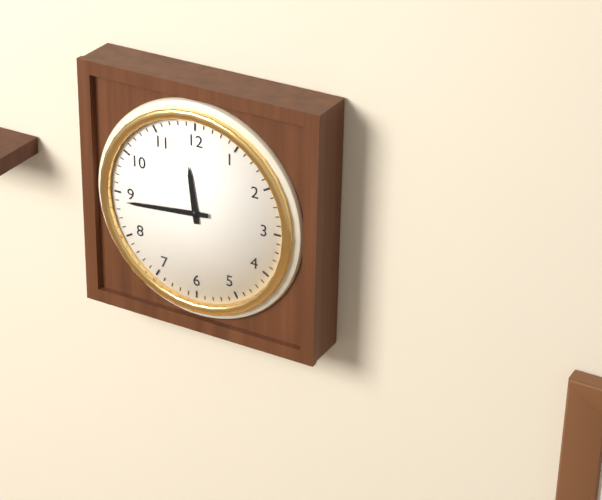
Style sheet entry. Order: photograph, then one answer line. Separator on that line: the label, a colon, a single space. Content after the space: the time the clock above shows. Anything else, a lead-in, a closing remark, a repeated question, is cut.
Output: 11:44
